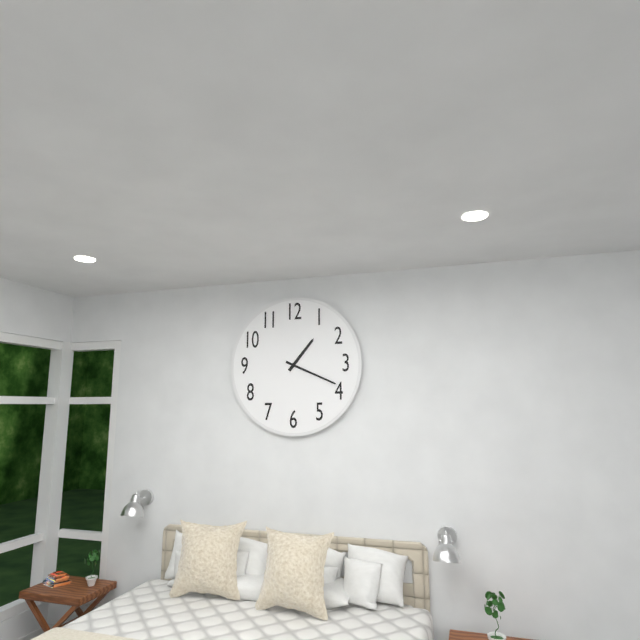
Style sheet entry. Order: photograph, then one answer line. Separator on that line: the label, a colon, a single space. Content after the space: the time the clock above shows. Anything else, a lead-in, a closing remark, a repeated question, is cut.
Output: 1:19
